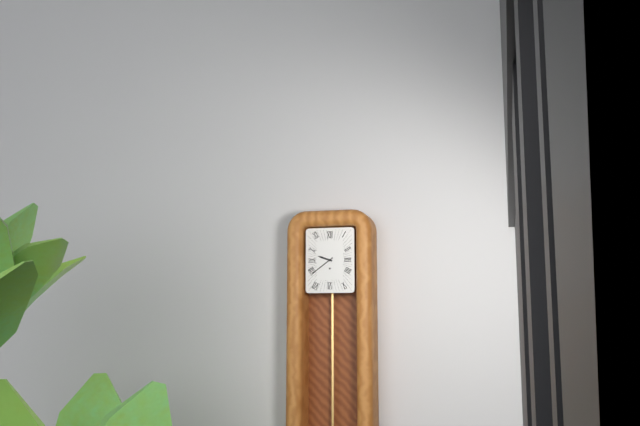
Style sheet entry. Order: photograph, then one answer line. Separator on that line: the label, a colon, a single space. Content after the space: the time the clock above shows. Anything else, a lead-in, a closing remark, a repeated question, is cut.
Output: 9:39
